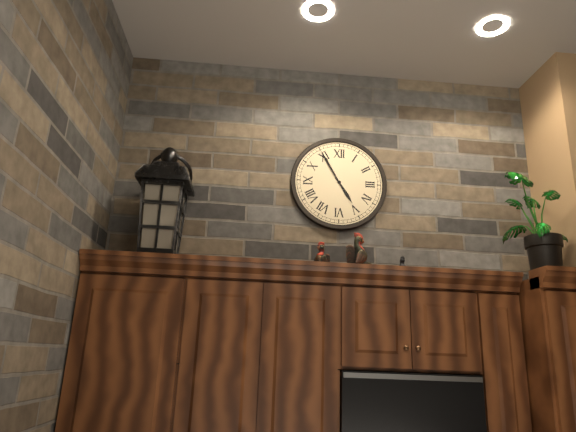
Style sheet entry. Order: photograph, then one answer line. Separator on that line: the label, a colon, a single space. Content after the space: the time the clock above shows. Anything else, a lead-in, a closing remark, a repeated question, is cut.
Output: 4:55
